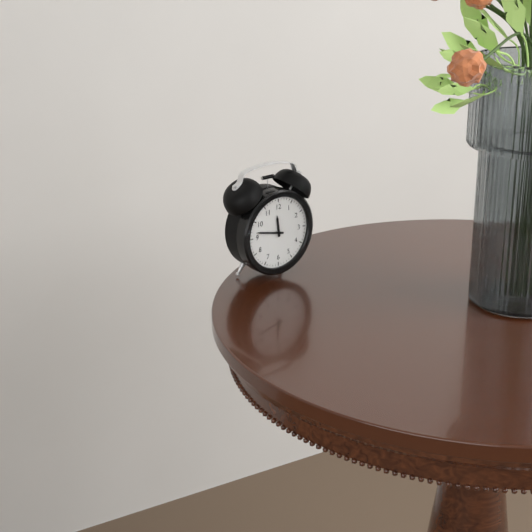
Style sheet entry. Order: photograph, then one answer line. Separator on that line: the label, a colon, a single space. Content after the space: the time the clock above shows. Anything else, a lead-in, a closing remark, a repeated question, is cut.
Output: 11:47
